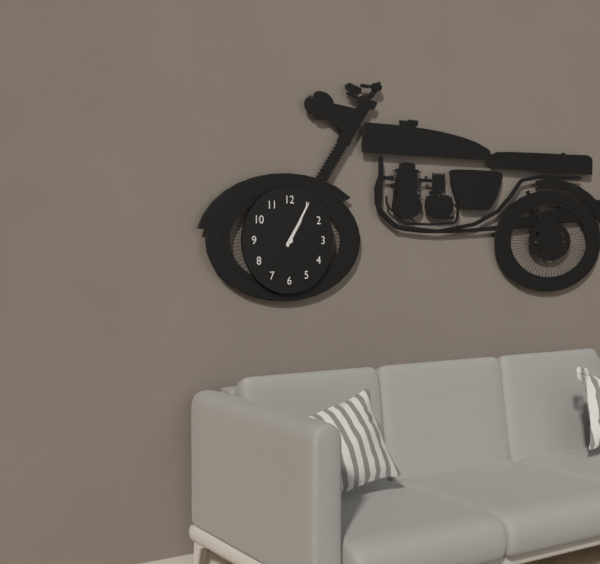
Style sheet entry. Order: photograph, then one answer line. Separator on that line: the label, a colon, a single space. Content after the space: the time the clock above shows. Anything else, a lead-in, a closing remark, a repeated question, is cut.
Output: 1:05
